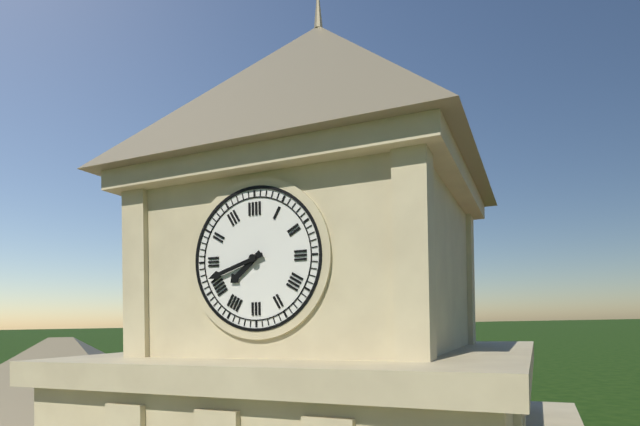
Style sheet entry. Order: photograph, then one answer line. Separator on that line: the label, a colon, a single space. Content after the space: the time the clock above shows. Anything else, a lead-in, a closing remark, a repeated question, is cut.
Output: 7:42
